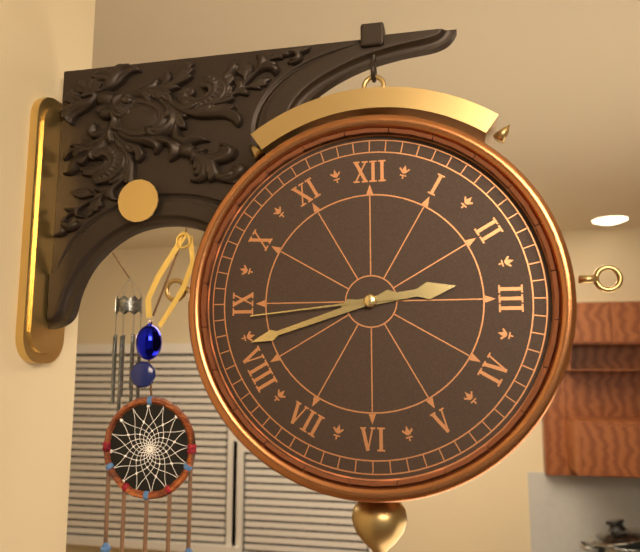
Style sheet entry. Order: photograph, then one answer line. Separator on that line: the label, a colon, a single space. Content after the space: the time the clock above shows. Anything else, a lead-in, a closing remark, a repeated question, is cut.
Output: 2:42:44
